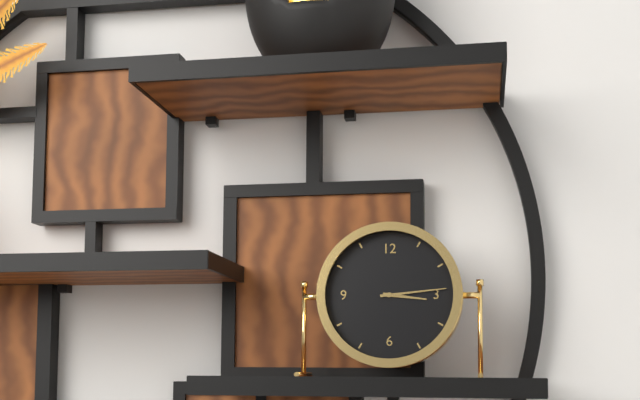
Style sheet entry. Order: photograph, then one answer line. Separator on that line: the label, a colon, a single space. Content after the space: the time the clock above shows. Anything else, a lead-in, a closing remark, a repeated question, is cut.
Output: 3:14
